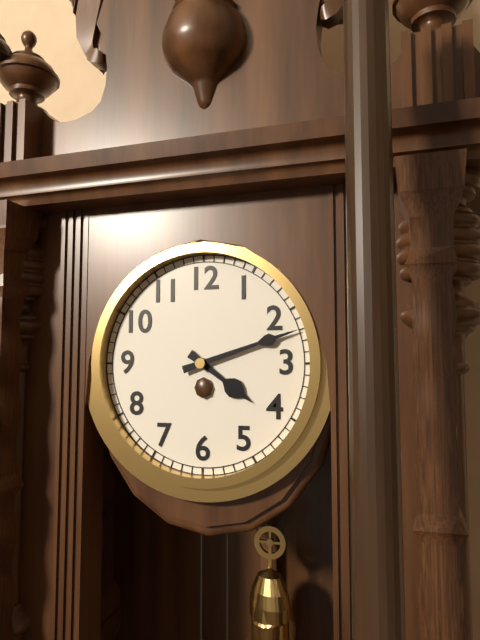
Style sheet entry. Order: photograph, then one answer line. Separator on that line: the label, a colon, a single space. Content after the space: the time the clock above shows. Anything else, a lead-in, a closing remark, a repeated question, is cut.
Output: 4:12
